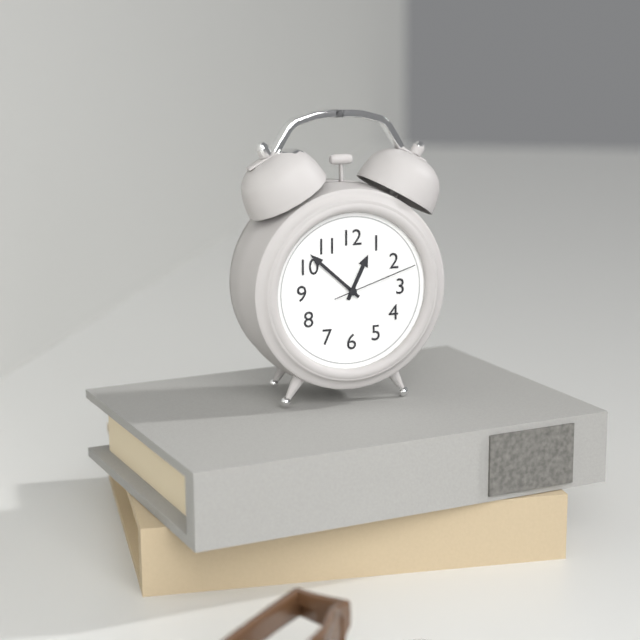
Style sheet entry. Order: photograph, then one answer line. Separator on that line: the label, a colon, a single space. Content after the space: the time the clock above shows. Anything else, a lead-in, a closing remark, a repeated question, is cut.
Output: 12:52:12
